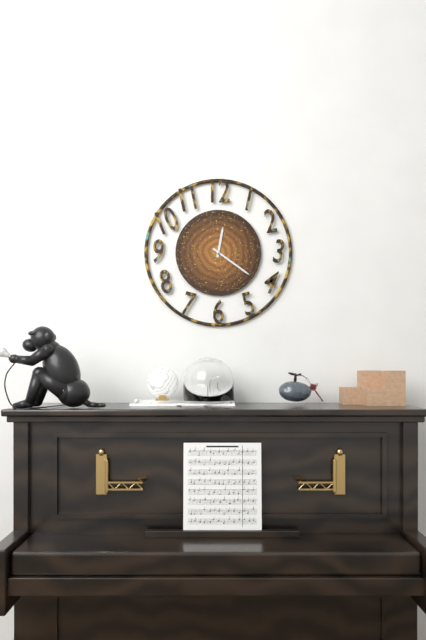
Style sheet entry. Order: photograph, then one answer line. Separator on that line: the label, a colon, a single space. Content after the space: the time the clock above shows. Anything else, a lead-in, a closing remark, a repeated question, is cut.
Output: 12:21
